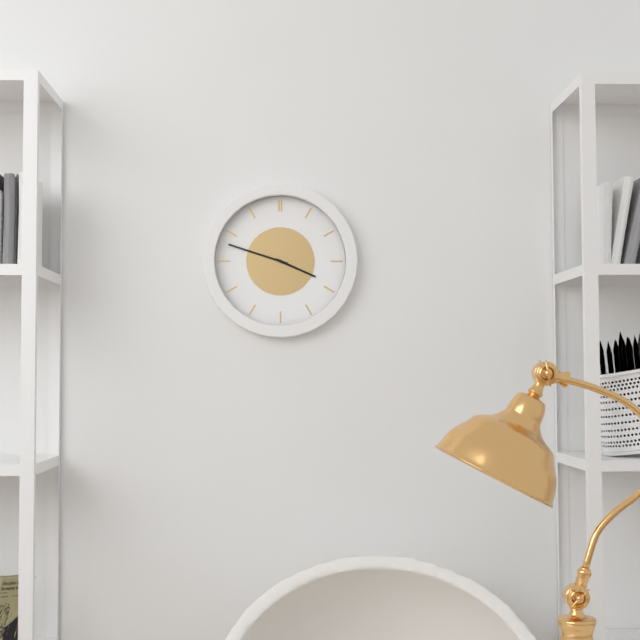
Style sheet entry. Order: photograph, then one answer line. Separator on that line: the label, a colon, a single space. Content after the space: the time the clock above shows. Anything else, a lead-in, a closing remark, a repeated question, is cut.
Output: 3:48
